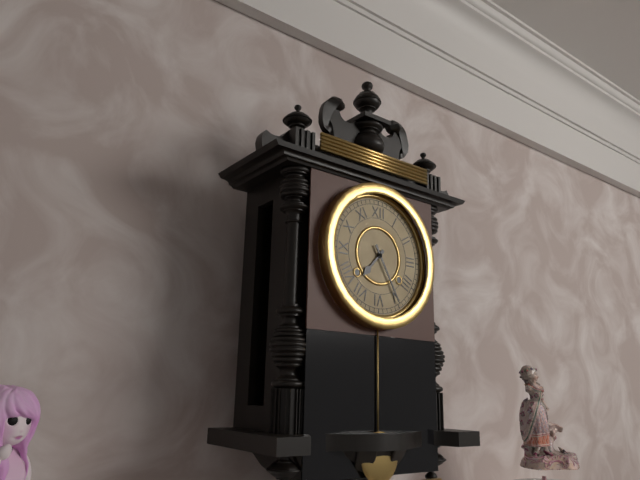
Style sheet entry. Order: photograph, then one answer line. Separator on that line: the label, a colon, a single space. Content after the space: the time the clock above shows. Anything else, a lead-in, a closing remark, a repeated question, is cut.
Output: 7:25
